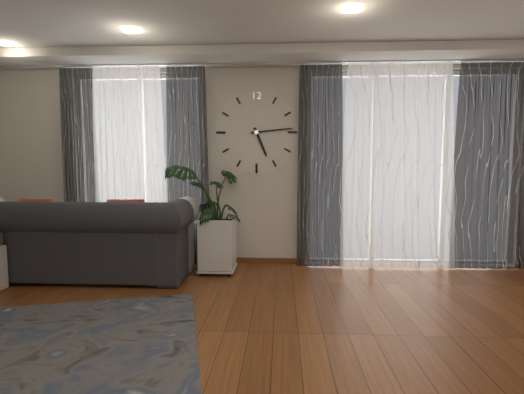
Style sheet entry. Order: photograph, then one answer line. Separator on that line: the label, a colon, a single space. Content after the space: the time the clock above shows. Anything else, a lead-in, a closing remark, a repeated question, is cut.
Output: 5:14
